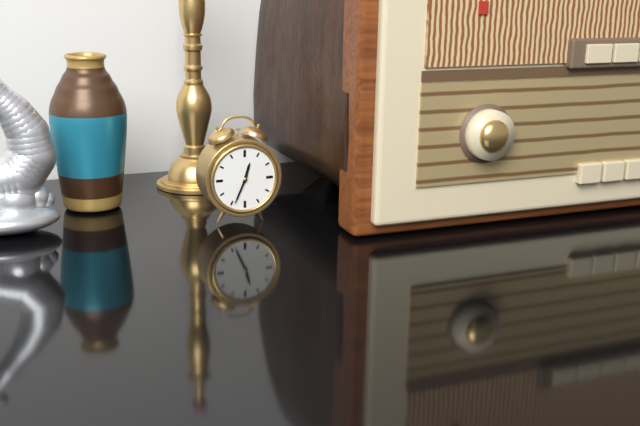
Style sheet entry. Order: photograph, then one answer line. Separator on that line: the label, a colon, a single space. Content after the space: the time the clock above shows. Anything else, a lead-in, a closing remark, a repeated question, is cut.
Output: 12:34
